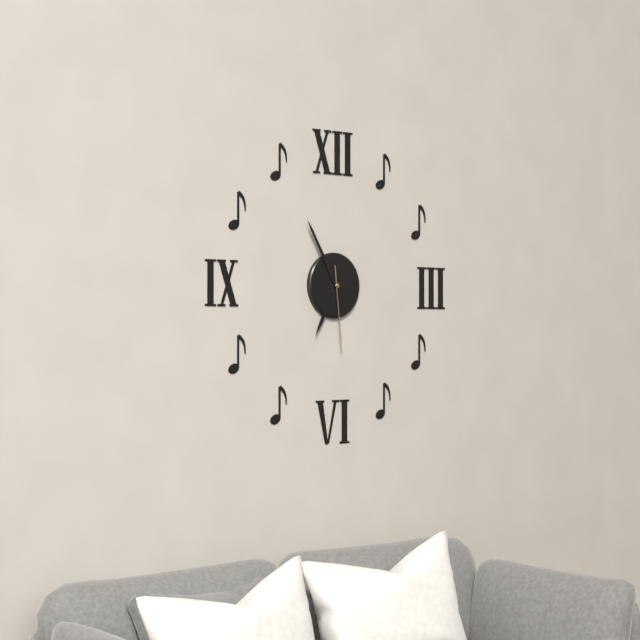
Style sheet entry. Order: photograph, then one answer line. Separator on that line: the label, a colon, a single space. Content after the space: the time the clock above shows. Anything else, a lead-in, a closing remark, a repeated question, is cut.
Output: 6:55:29
